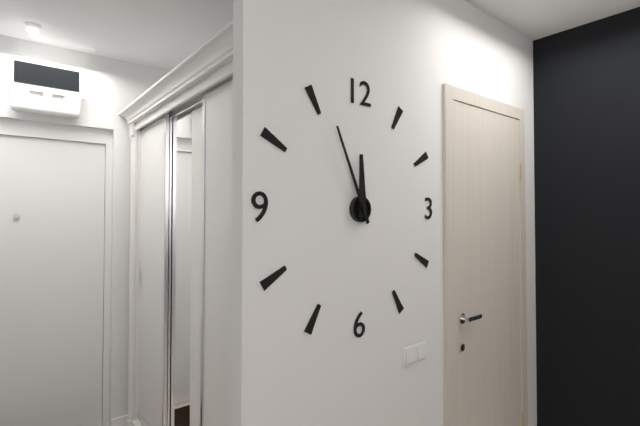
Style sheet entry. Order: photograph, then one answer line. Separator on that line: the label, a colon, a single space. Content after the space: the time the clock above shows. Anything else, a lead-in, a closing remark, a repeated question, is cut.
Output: 11:56
